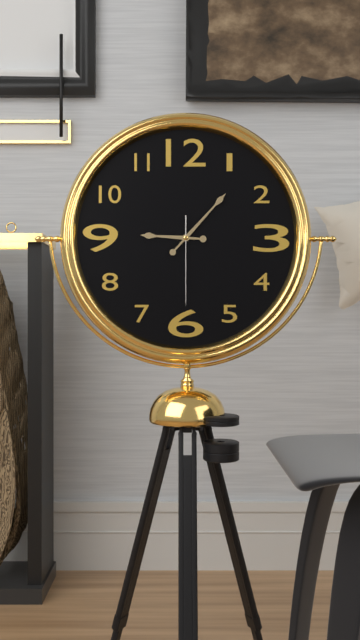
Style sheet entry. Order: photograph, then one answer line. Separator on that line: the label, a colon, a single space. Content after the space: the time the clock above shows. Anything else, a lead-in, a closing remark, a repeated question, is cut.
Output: 9:07:30
